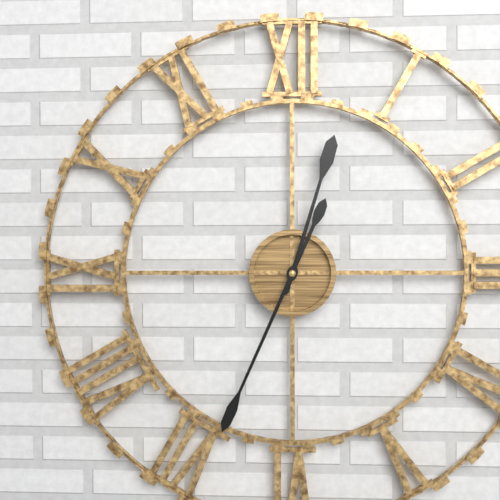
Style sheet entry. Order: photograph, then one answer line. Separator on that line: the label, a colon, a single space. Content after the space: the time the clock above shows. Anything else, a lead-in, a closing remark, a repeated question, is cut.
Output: 12:34
